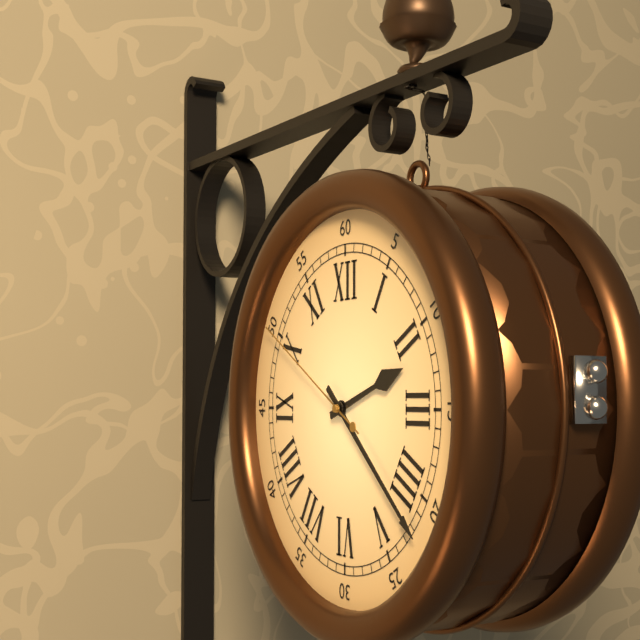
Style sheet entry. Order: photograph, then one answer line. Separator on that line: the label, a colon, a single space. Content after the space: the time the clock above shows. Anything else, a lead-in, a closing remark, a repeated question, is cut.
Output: 2:22:50
